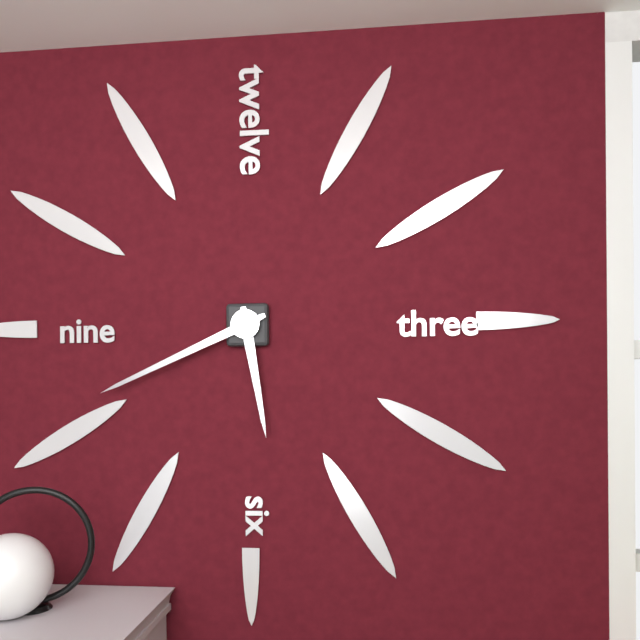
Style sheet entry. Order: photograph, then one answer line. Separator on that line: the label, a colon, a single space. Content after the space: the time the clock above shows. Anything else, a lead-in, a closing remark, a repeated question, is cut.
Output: 5:41
